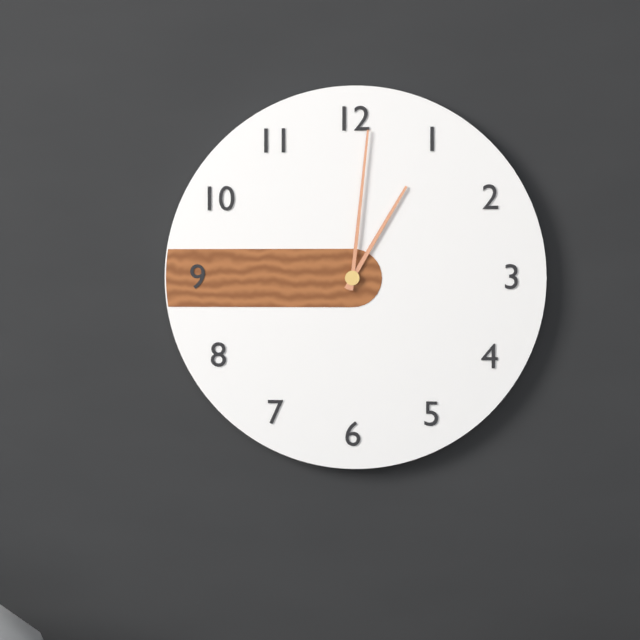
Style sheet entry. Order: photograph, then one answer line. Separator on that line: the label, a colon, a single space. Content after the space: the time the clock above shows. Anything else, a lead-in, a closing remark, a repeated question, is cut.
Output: 1:01
